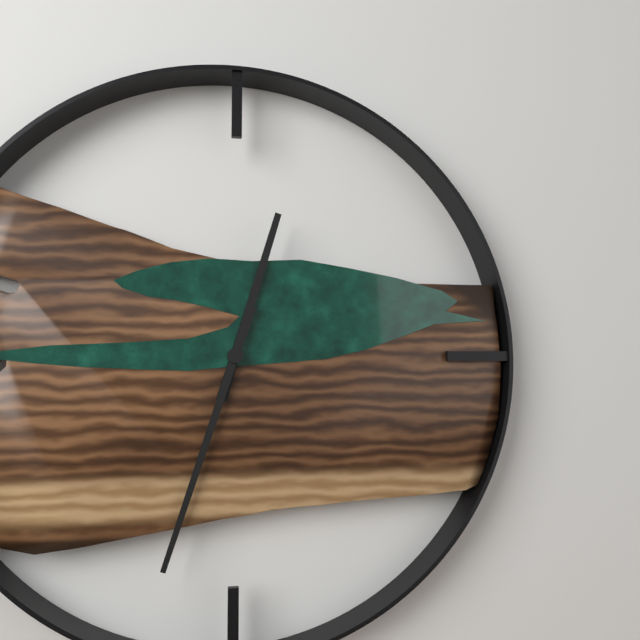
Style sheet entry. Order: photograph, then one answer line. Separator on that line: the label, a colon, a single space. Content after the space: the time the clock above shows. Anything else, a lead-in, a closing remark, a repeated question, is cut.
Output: 12:33
